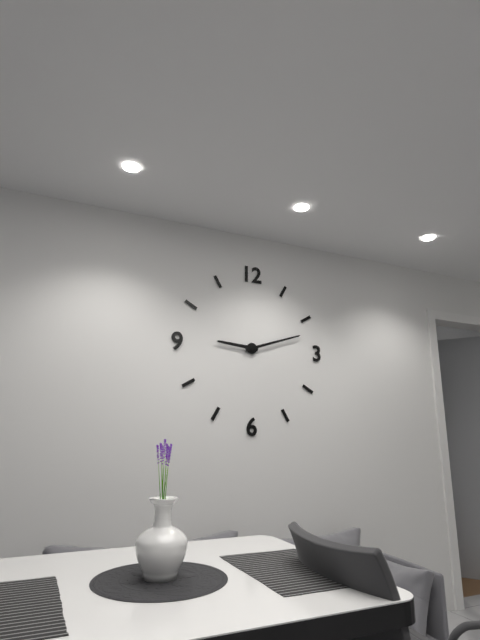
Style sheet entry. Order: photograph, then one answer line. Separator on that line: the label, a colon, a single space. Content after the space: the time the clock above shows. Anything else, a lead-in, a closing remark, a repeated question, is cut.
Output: 9:12
